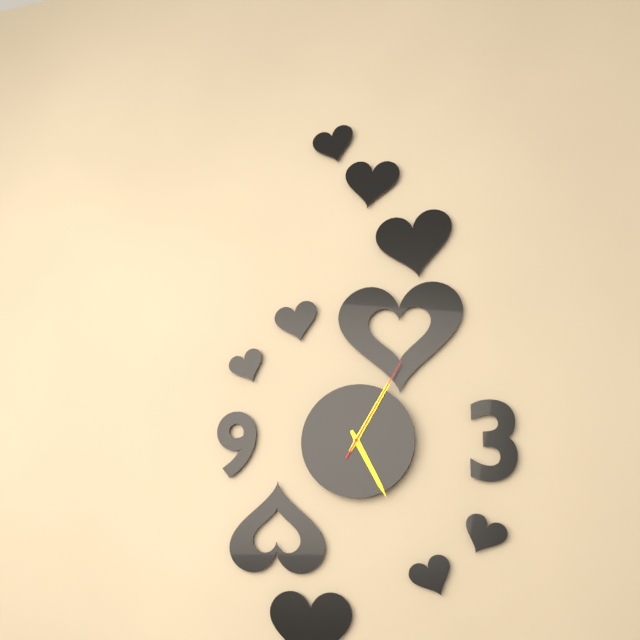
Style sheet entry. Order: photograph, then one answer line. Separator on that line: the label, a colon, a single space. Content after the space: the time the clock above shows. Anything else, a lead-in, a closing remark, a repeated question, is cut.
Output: 5:05:05
